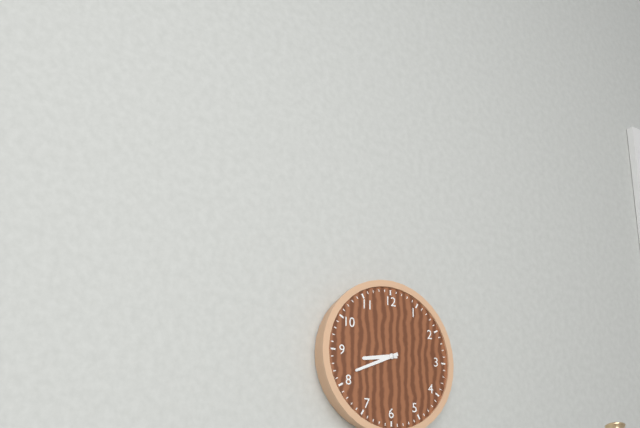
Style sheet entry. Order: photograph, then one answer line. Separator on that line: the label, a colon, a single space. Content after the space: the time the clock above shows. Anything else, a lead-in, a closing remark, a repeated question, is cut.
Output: 8:41
